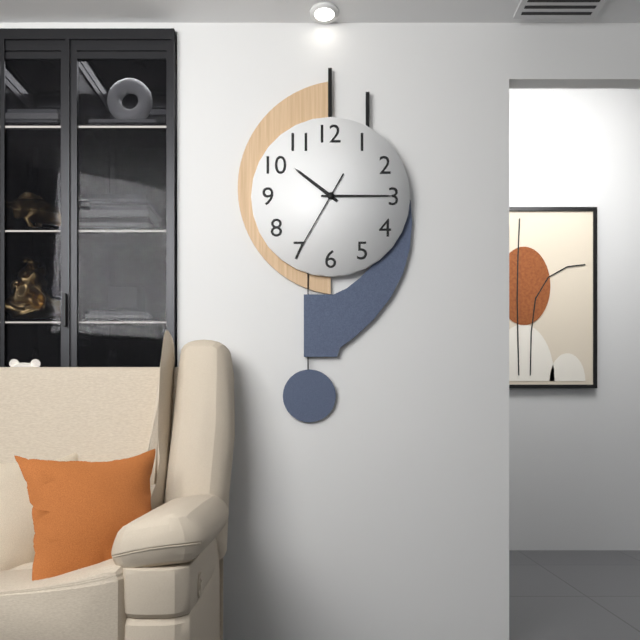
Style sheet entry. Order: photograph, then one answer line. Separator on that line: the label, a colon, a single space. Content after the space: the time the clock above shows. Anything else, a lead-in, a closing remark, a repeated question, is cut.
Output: 10:15:35
